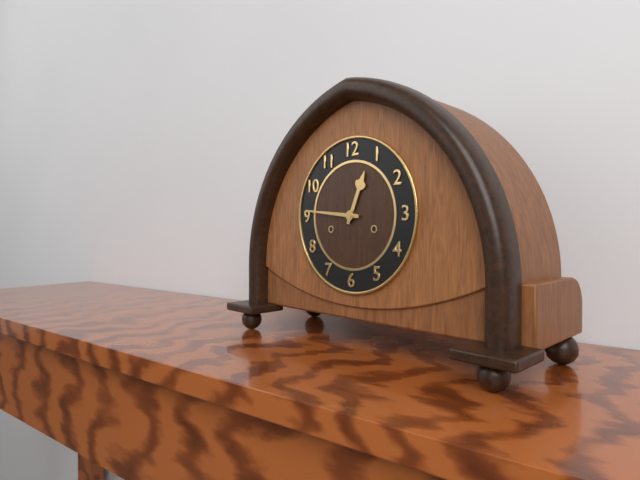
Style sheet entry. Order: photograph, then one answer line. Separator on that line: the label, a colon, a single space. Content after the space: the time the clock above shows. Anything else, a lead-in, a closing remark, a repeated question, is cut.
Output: 12:46
